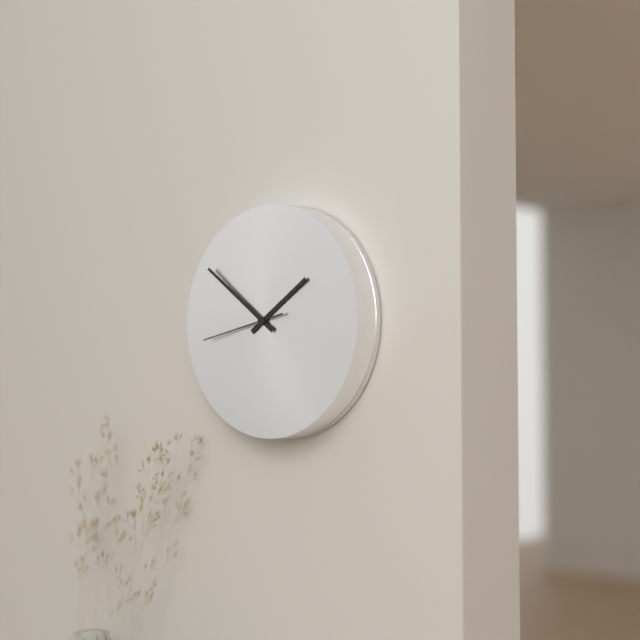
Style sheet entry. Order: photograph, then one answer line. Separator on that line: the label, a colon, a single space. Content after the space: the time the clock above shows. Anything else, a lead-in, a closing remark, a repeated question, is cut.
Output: 1:51:43
